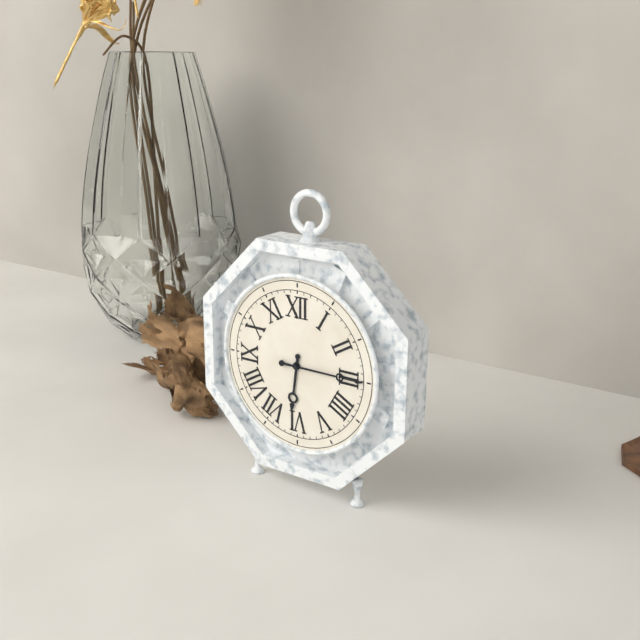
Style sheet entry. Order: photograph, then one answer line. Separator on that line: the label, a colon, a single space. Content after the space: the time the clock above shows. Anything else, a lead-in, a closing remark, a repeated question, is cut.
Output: 6:15
